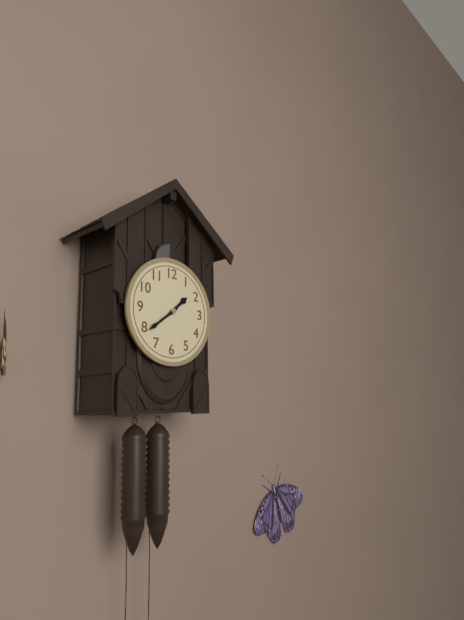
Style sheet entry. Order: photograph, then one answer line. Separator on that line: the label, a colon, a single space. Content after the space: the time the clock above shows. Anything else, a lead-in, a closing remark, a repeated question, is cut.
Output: 1:39
